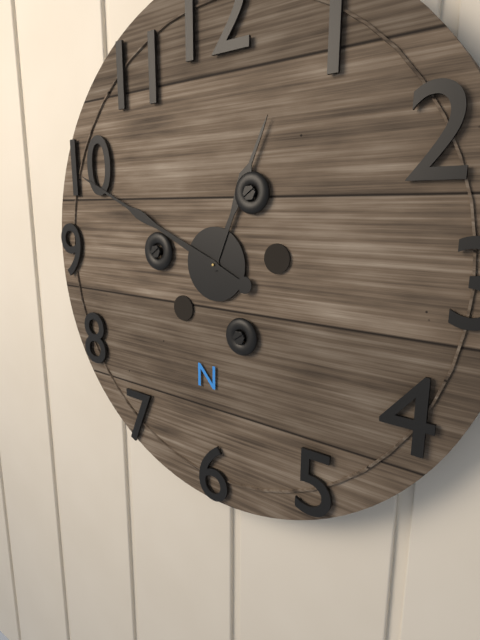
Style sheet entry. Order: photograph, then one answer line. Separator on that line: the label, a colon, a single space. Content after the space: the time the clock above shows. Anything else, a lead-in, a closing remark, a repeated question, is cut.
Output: 12:49
